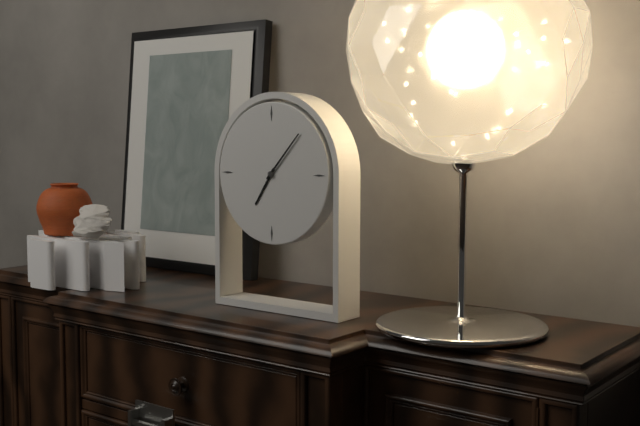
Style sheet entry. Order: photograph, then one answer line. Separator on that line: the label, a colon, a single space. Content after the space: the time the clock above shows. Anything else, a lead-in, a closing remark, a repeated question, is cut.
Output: 7:07
